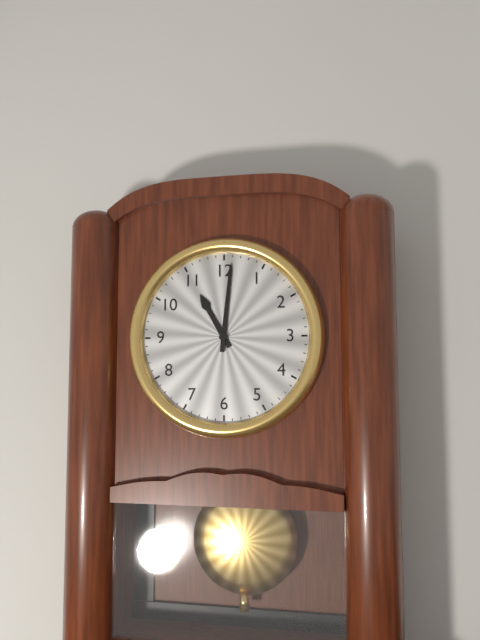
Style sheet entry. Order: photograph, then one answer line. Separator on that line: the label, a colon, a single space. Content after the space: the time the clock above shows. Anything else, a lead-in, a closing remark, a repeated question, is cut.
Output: 11:01
